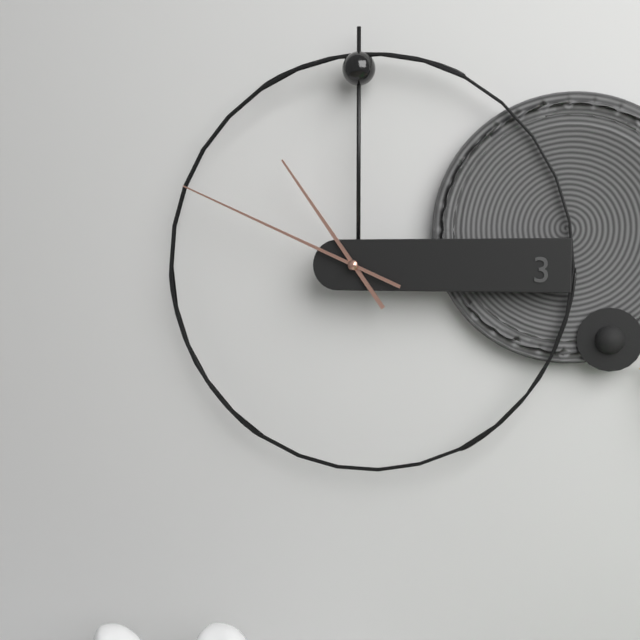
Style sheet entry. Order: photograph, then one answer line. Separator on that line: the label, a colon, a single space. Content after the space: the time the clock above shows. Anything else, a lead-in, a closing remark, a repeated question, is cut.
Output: 10:49
